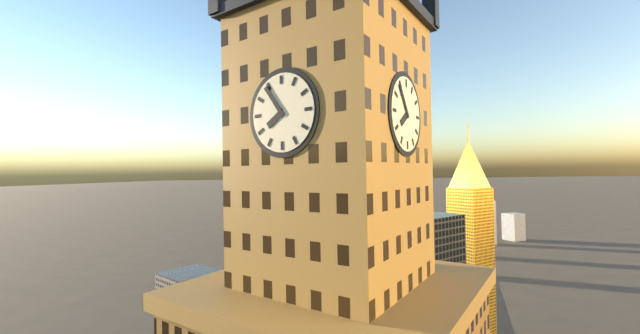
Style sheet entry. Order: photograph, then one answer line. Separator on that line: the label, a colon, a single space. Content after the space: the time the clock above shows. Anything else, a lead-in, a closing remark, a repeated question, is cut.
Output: 7:54
